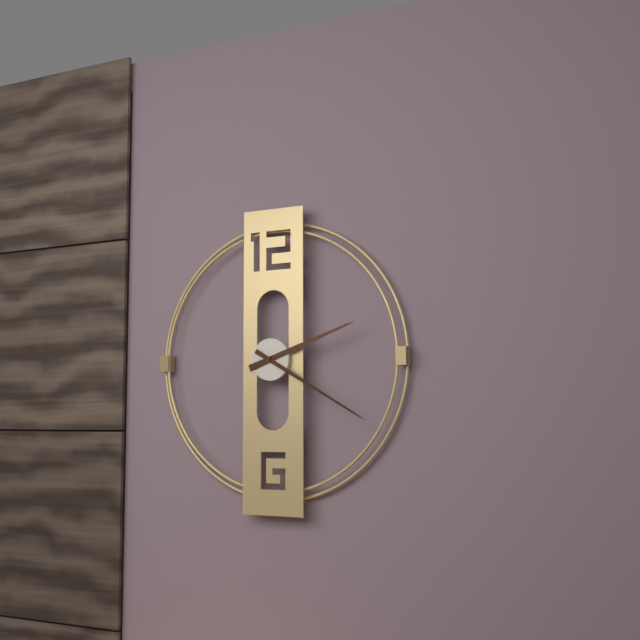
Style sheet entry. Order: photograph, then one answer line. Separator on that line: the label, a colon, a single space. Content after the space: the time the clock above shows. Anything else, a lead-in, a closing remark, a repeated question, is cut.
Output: 2:20
